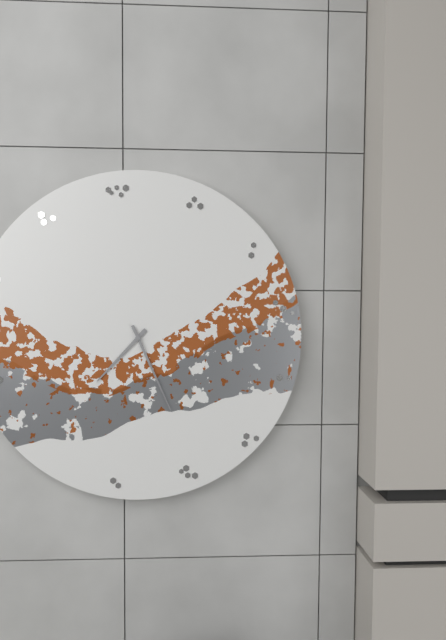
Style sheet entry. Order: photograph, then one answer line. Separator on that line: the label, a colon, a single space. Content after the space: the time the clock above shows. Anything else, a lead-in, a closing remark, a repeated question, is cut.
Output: 7:26
